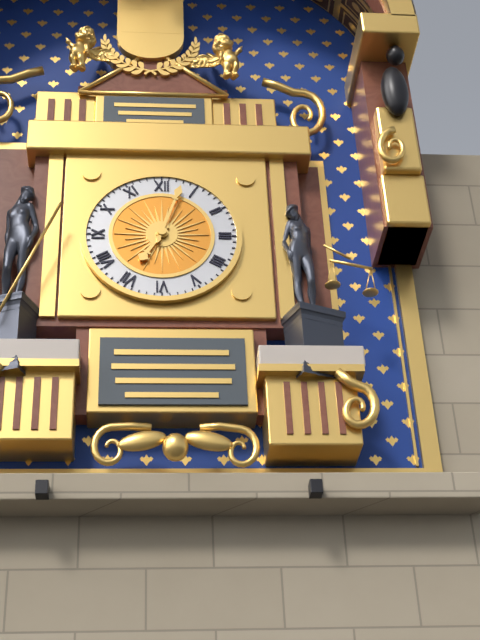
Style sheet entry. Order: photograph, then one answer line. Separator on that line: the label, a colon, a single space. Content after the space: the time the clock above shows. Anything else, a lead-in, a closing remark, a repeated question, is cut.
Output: 7:03
